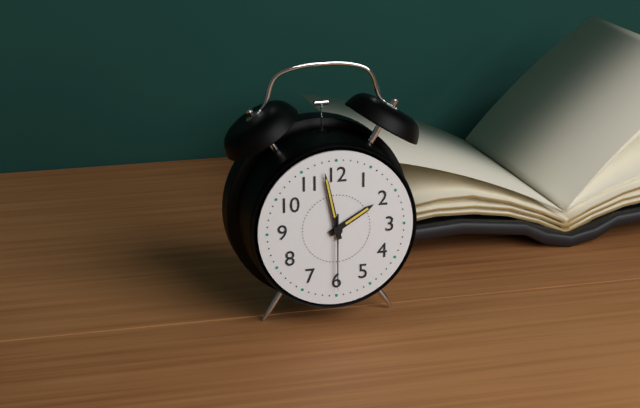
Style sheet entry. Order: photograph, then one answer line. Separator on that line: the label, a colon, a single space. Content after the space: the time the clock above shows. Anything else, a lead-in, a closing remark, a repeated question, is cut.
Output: 1:58:30
